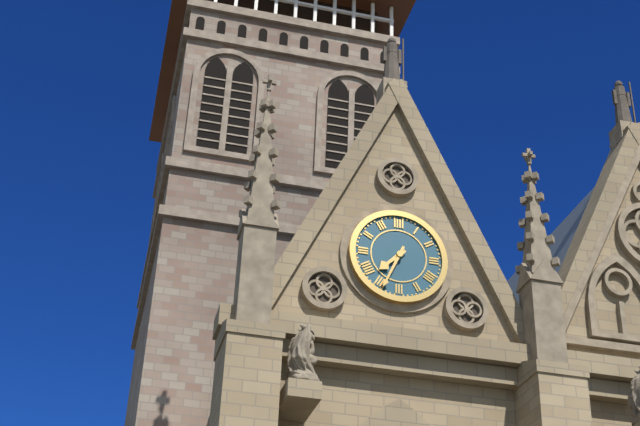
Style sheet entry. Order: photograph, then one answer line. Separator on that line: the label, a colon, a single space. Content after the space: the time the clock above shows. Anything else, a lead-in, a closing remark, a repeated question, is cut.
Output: 7:34
